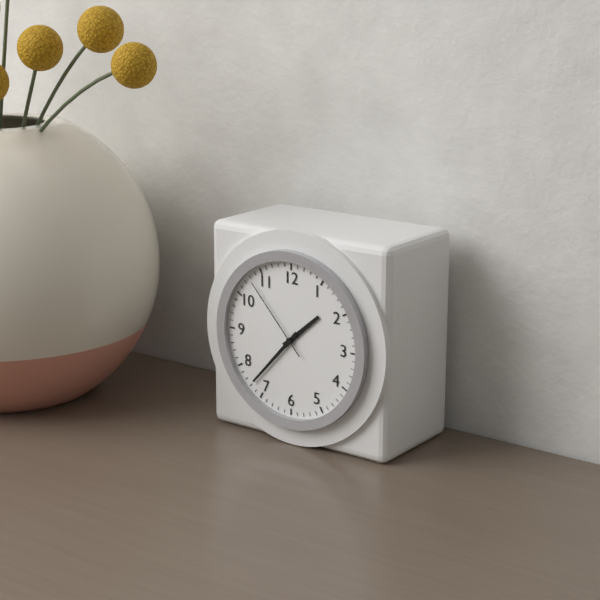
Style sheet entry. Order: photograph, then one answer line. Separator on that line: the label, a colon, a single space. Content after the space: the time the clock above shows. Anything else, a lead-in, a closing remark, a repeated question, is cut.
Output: 1:37:53
